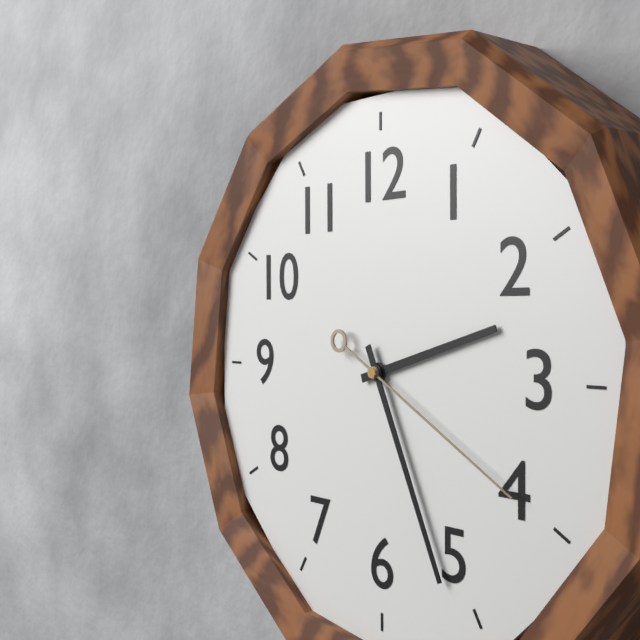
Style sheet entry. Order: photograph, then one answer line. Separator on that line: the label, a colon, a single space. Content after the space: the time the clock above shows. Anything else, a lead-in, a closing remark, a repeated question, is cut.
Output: 2:26:20
